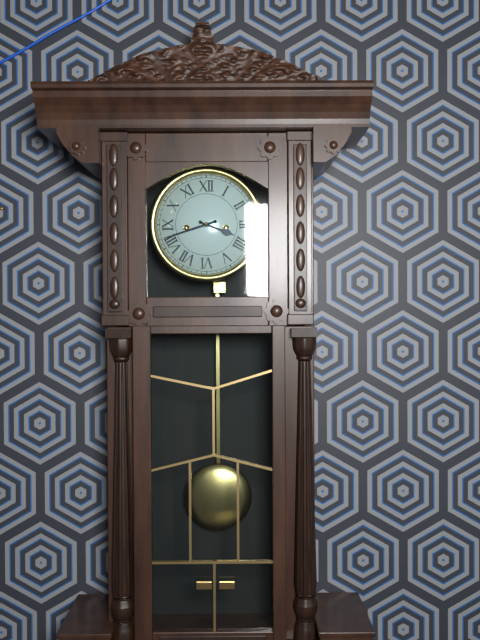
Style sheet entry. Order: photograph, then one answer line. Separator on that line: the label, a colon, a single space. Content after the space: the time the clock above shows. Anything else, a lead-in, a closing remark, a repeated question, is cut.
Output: 3:42
